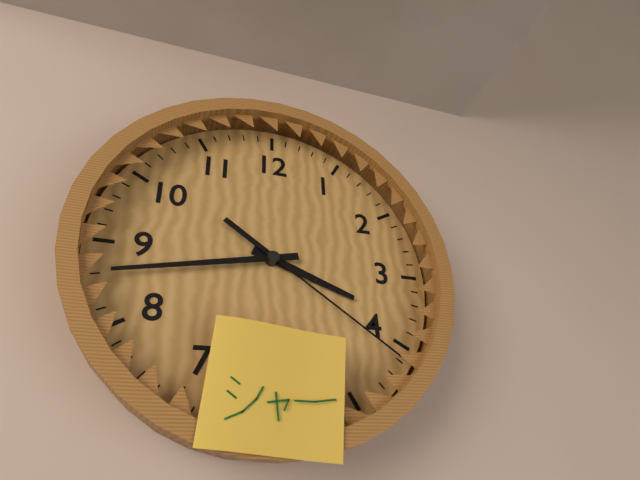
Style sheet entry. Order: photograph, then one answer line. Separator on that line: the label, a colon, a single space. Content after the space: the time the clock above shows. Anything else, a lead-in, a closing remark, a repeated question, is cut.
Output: 3:43:21
